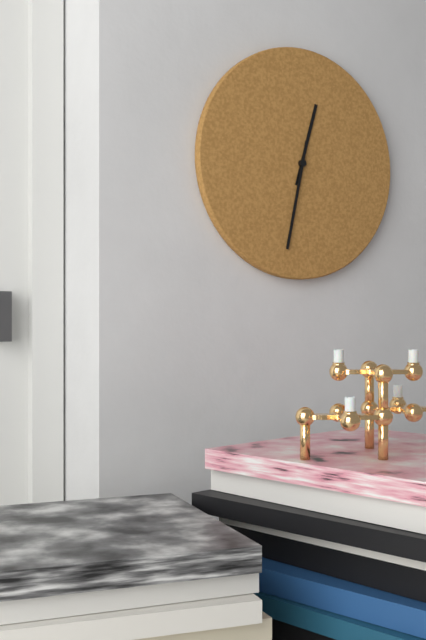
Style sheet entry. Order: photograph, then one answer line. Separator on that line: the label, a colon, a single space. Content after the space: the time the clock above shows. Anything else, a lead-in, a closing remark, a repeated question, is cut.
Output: 12:32
